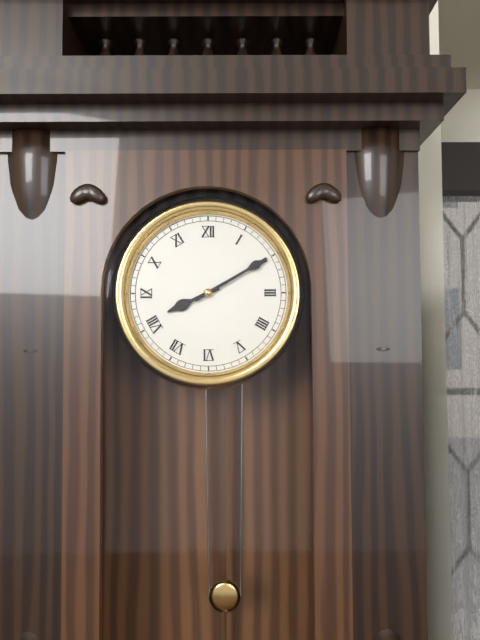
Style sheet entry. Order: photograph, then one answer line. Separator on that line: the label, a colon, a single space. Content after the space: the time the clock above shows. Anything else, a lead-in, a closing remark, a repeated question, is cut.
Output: 8:10
